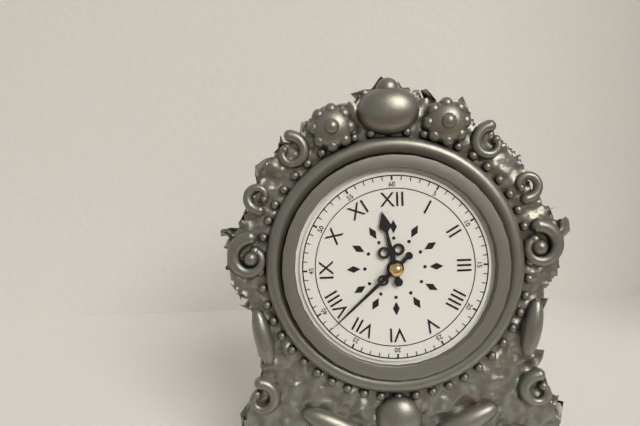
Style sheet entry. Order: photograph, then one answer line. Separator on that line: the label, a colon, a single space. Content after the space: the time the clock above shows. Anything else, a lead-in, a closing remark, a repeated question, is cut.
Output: 11:38
